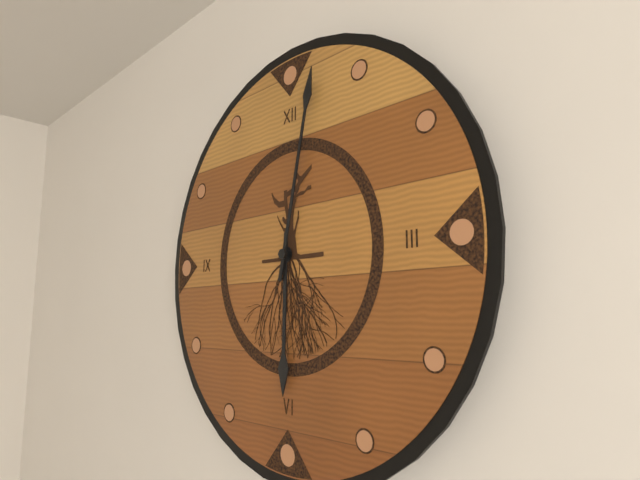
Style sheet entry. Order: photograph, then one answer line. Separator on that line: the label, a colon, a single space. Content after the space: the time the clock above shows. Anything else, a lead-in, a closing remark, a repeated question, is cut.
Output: 6:02
